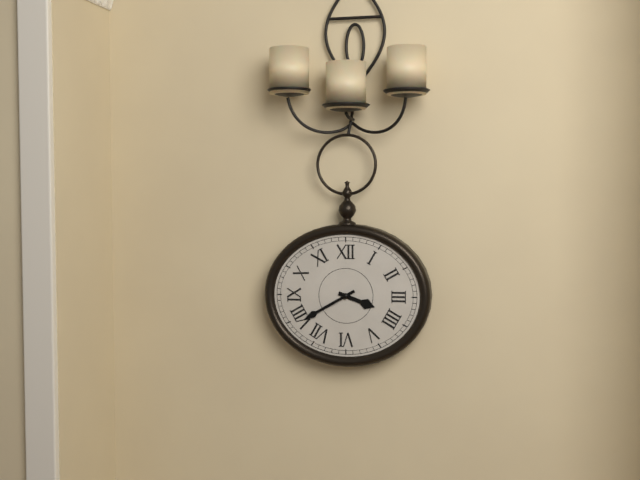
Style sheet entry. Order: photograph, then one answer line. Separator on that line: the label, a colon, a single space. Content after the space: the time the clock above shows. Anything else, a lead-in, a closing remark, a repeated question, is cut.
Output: 3:40
